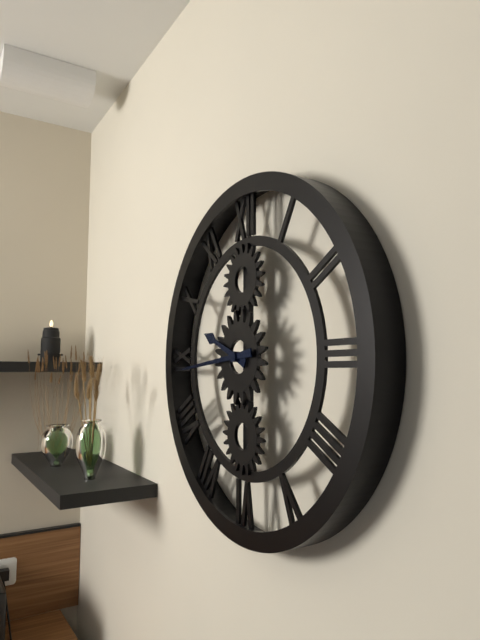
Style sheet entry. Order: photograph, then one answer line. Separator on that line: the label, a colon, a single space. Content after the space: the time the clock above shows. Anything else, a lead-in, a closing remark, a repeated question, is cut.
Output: 9:44
